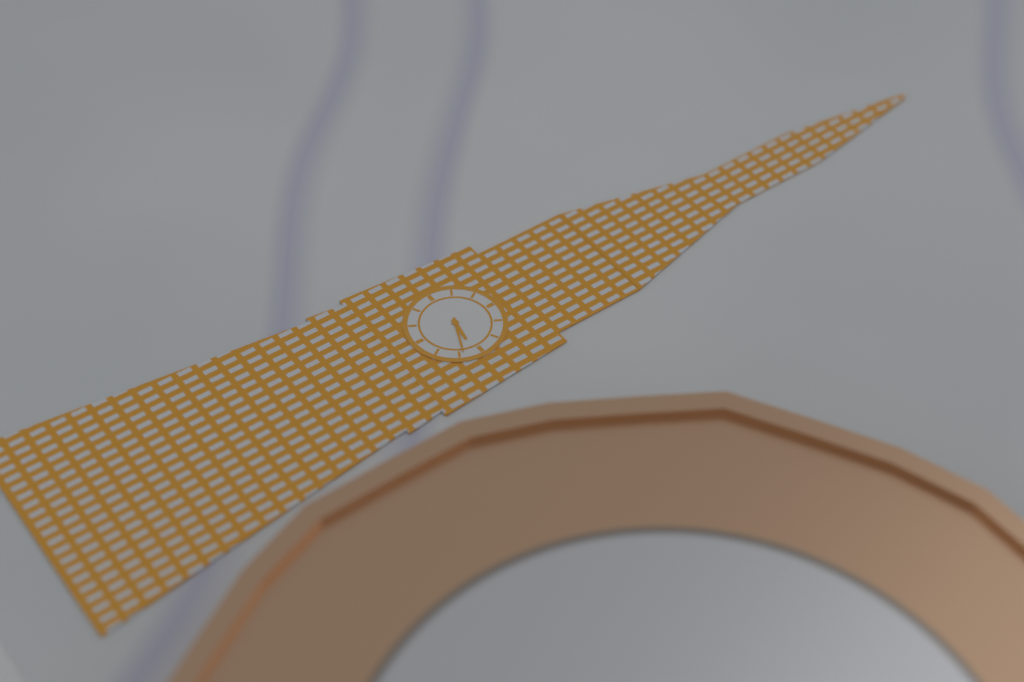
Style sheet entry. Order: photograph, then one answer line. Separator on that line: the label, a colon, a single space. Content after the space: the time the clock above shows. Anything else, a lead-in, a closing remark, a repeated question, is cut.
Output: 3:19
